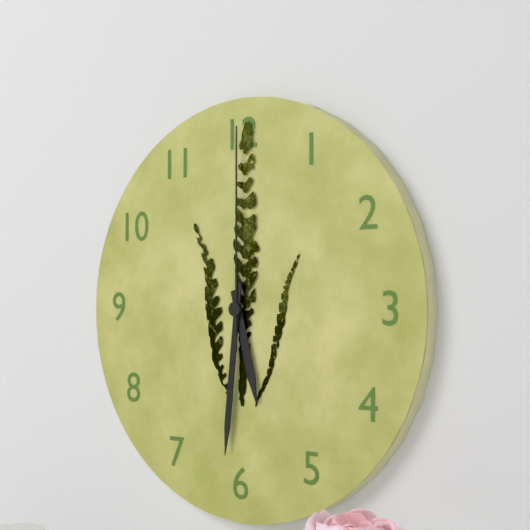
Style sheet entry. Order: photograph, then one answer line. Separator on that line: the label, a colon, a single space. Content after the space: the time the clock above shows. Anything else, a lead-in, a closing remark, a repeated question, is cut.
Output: 5:31:00
